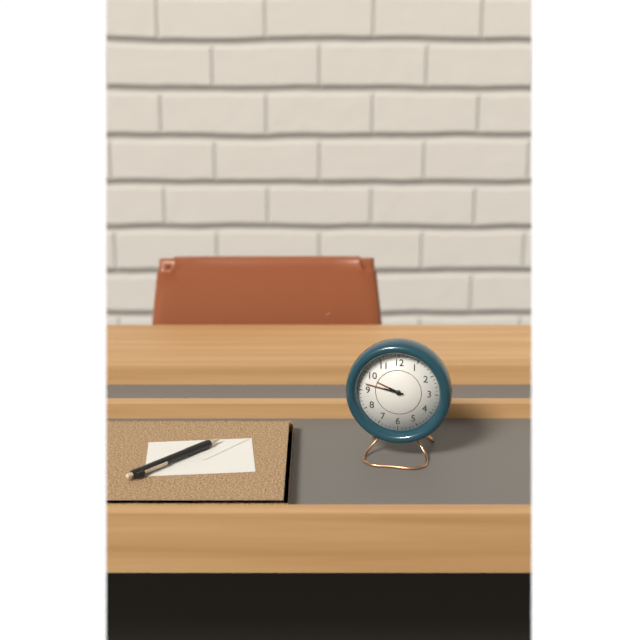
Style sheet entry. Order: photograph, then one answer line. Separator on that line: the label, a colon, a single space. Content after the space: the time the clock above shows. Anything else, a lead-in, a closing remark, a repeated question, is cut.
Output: 9:47
